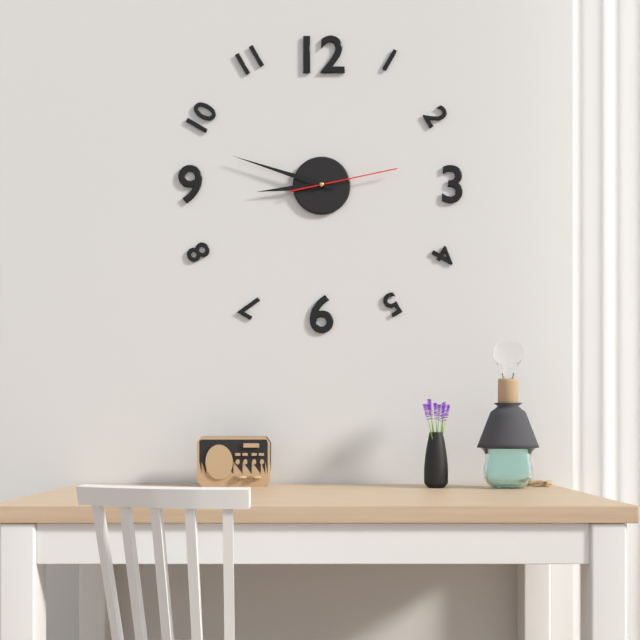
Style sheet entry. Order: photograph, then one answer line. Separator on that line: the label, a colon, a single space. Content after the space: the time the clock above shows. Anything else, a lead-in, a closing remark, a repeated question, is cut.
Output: 8:48:13
